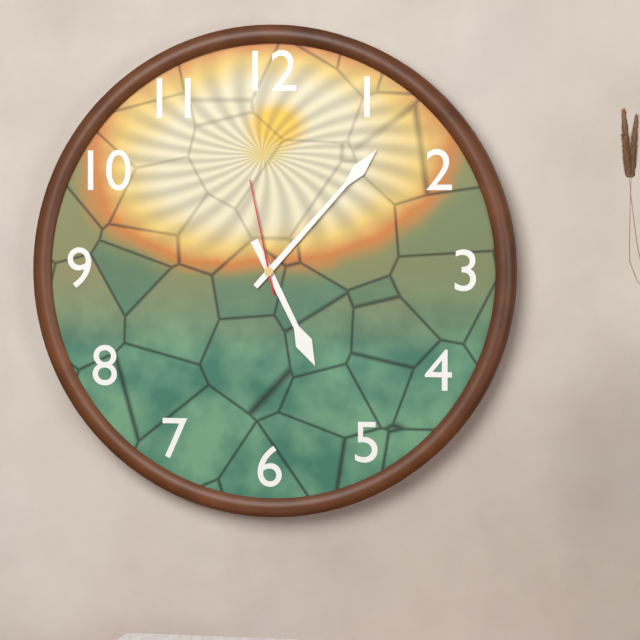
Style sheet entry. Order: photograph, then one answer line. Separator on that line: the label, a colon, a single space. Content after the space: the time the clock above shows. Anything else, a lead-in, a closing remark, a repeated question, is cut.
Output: 5:07:58
